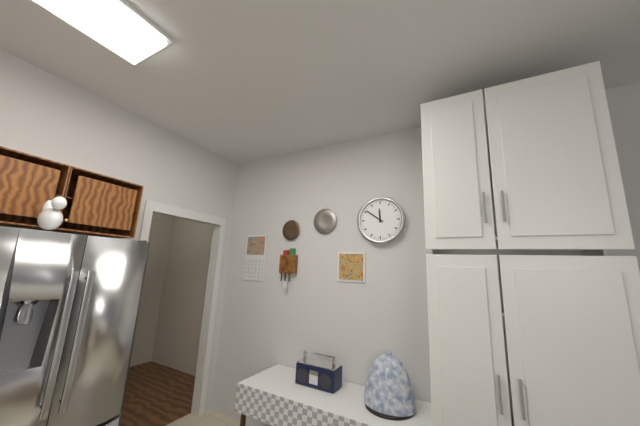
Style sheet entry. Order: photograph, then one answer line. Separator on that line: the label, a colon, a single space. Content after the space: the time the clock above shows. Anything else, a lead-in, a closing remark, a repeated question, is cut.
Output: 11:51
